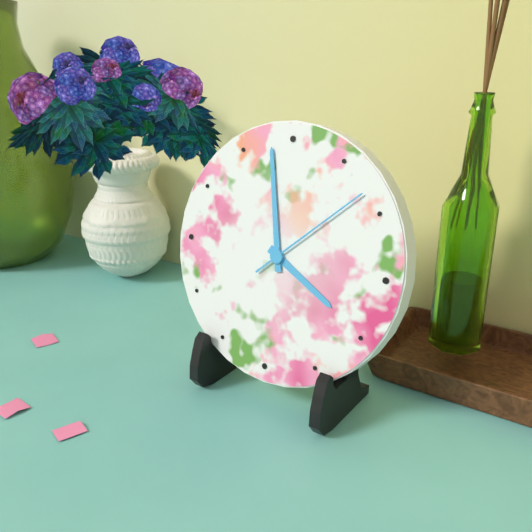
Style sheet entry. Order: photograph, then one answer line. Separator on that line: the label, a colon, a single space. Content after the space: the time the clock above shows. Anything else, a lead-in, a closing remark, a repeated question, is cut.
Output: 3:58:08
